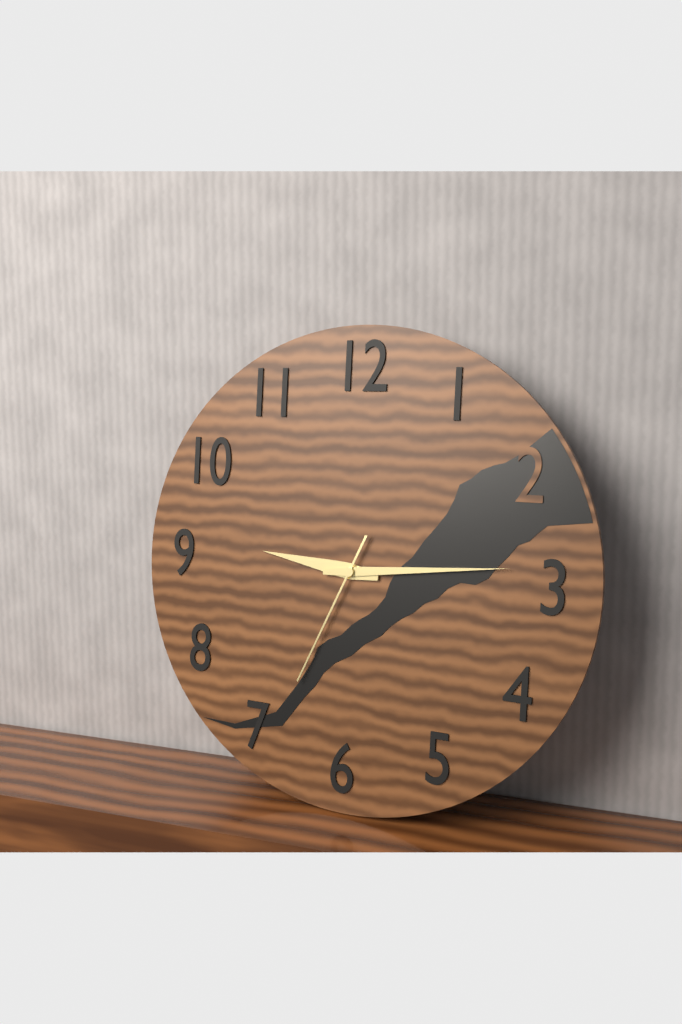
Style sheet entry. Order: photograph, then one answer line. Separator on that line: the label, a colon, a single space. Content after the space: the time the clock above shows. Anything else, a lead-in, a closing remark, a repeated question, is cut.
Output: 9:14:34
